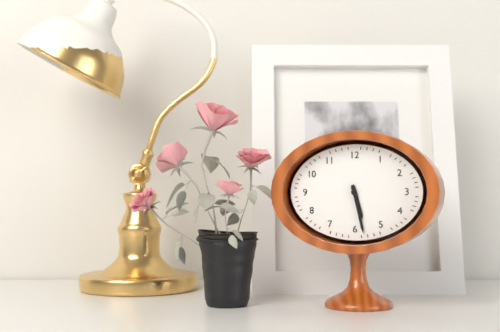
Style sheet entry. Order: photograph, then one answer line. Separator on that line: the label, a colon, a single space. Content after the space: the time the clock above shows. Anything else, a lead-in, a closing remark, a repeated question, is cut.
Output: 5:28
